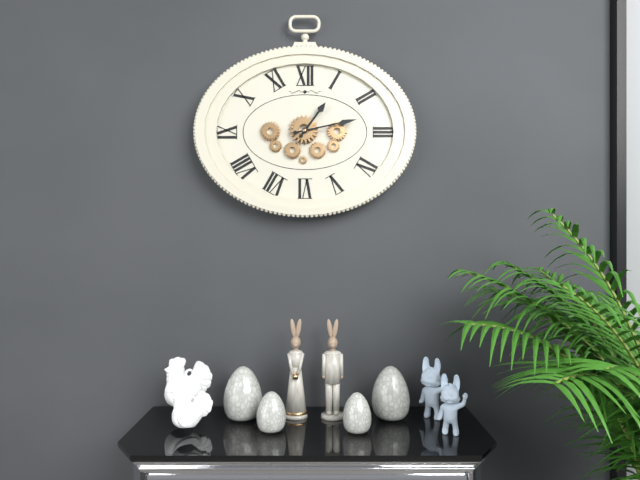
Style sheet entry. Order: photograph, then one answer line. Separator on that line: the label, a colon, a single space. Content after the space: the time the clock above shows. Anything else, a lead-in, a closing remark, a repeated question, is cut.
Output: 1:13
